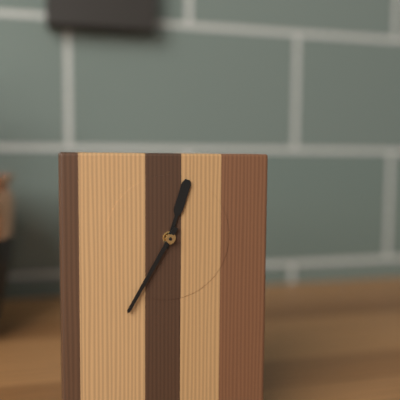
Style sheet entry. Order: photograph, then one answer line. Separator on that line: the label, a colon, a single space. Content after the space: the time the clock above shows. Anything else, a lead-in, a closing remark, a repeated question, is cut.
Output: 12:35
